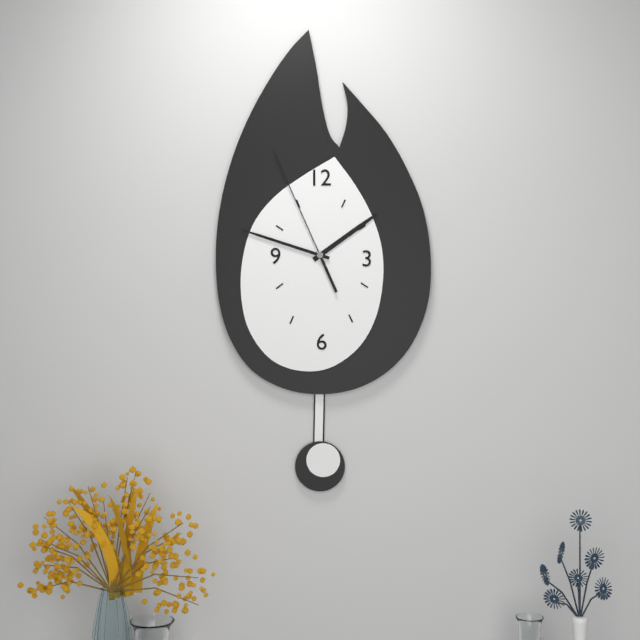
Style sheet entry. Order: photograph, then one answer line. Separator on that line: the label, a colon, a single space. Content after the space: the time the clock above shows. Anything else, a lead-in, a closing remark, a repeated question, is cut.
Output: 1:48:56
